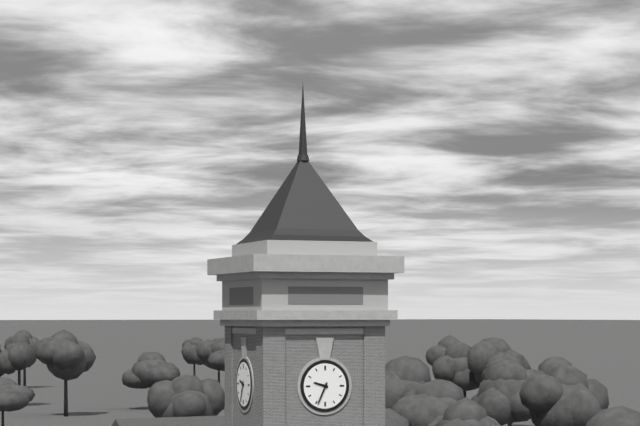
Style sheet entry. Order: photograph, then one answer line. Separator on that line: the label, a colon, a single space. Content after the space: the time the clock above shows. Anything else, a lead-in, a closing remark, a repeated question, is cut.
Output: 9:34
